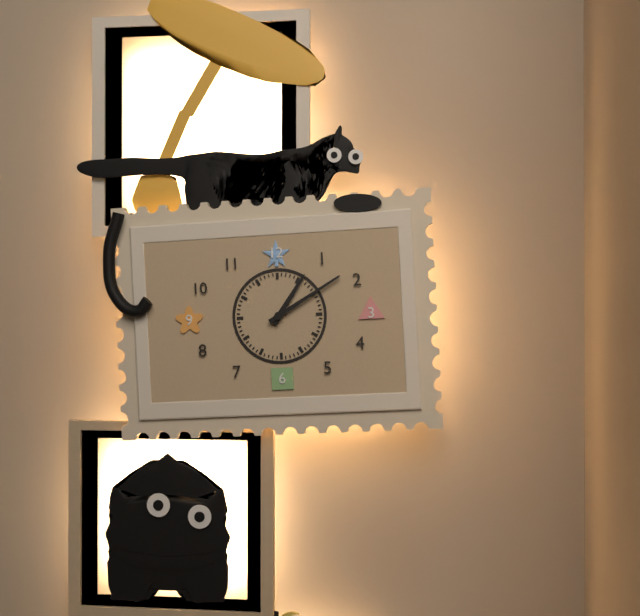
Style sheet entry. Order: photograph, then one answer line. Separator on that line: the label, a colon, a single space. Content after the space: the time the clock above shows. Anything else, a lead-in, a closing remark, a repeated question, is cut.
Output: 1:10
